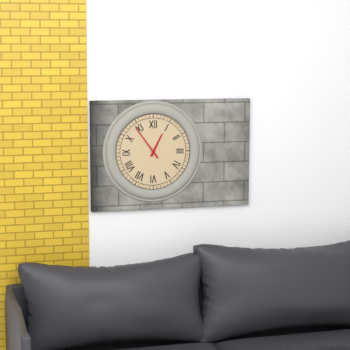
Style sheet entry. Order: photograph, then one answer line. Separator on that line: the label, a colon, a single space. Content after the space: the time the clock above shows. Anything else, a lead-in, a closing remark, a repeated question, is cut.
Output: 12:54
